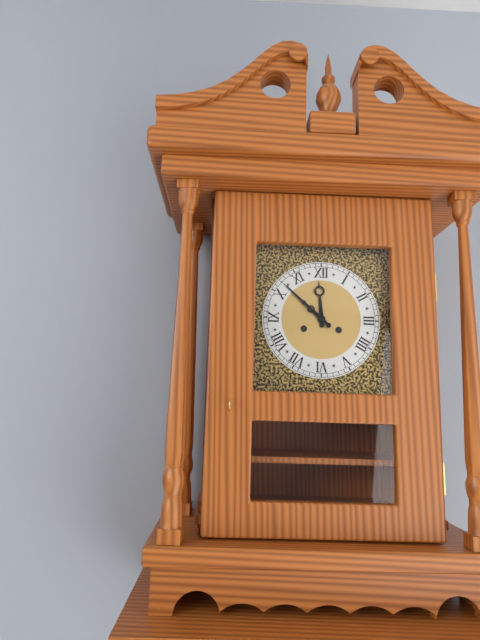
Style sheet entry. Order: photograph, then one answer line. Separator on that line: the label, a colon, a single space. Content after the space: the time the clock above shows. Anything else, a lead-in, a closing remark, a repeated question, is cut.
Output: 11:52
